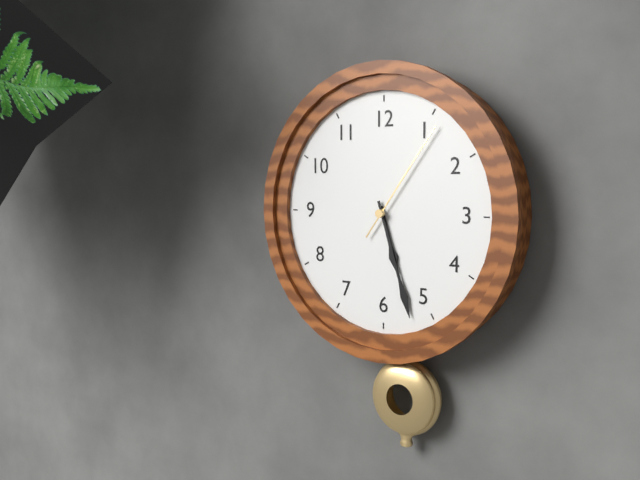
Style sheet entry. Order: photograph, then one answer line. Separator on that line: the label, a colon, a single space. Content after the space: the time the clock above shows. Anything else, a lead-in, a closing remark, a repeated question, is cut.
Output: 5:27:06
